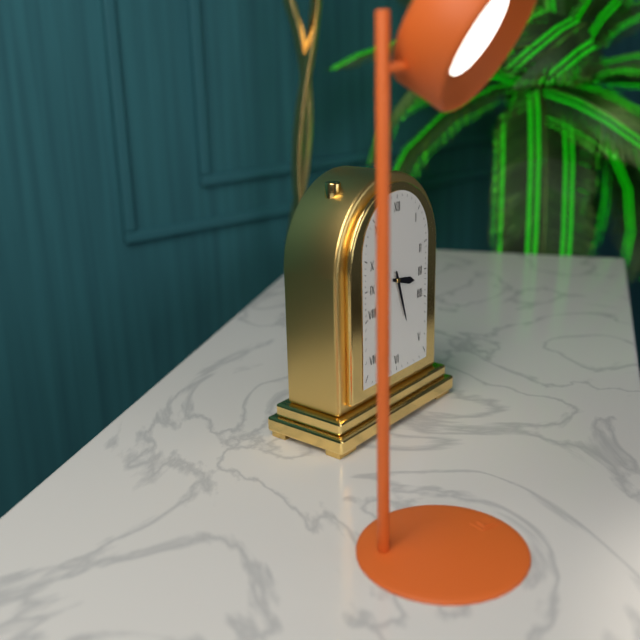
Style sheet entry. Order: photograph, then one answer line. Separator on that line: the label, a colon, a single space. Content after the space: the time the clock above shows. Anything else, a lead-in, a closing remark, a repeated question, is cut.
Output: 3:27
